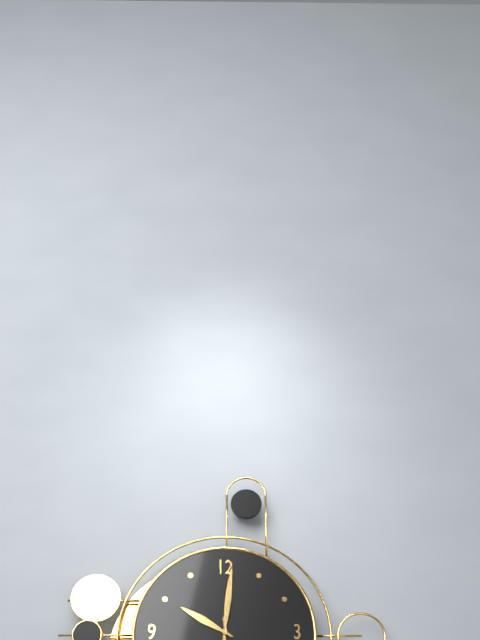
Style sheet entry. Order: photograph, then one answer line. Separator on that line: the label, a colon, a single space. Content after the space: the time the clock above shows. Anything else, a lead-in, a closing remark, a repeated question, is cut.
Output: 10:01
